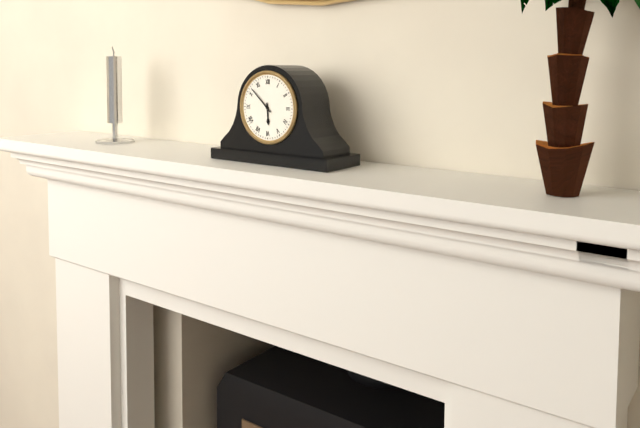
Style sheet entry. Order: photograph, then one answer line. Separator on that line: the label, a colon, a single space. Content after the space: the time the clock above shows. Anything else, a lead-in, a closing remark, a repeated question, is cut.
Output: 5:52
